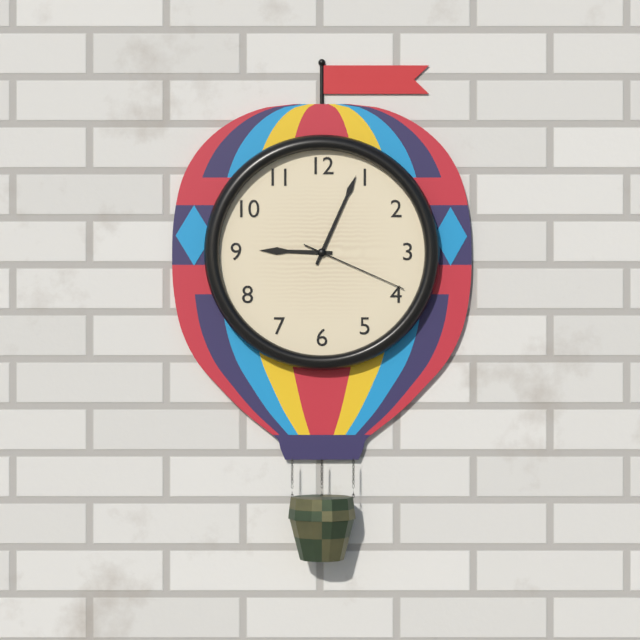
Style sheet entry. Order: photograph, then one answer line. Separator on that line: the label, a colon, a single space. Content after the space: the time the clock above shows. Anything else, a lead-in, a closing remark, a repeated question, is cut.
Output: 9:04:19
